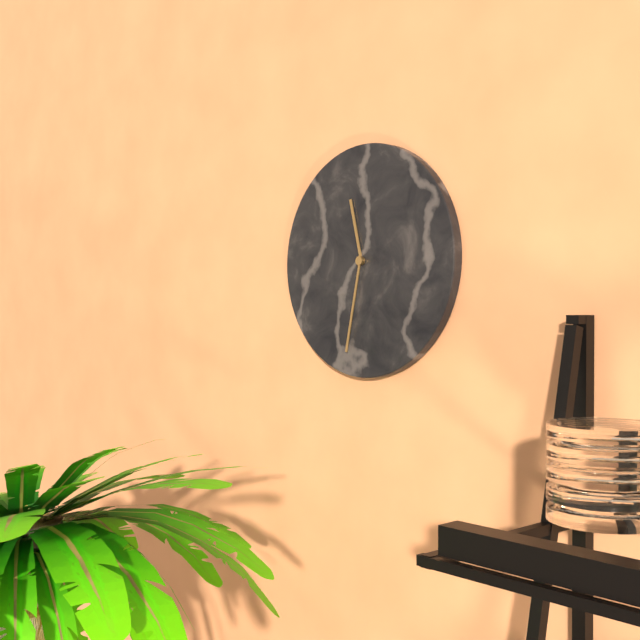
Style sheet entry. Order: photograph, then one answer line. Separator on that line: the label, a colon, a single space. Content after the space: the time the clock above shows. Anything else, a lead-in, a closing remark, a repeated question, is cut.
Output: 11:32
